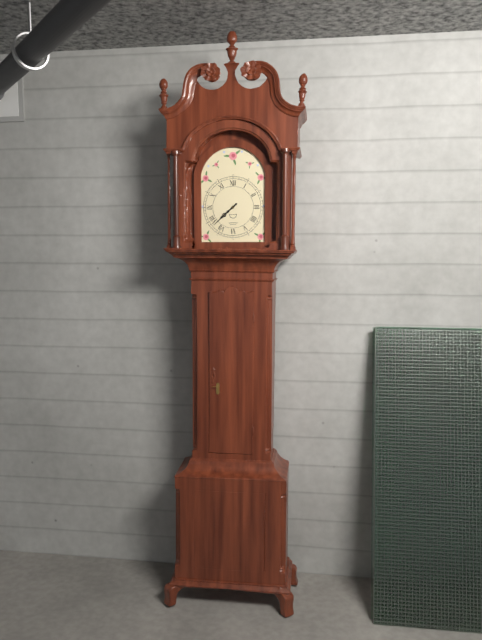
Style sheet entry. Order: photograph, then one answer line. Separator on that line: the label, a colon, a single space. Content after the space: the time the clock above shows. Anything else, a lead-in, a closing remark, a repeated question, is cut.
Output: 7:38
